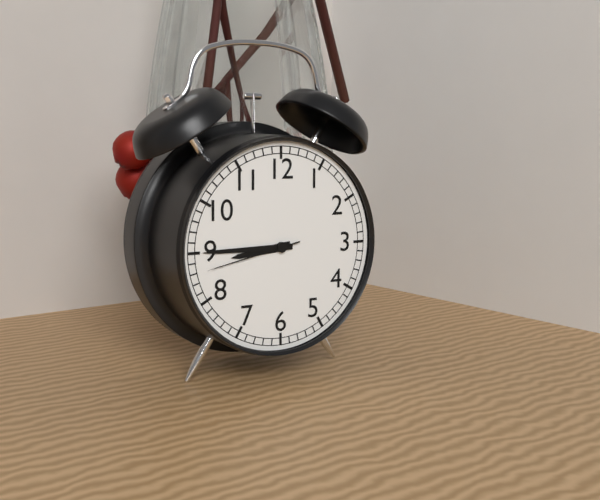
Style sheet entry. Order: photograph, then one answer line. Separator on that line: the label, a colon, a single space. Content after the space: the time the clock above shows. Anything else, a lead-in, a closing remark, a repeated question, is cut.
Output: 8:45:43
